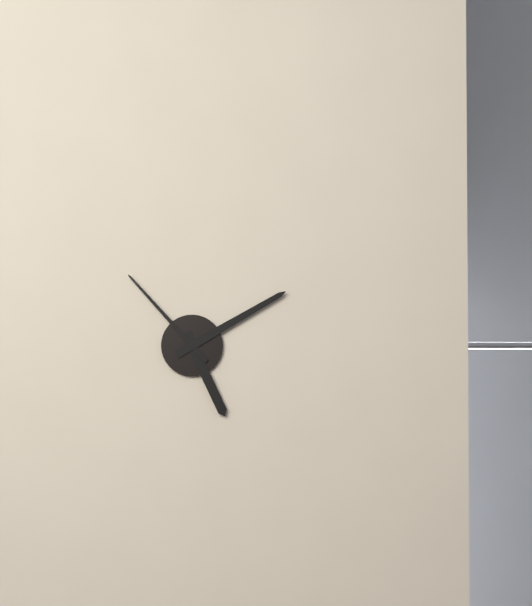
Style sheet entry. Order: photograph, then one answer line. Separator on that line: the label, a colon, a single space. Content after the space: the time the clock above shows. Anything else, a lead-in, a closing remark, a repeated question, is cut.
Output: 5:10:53
